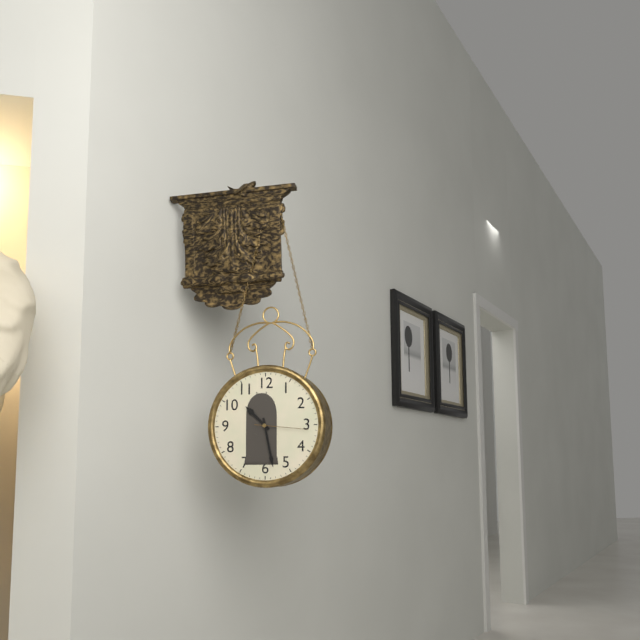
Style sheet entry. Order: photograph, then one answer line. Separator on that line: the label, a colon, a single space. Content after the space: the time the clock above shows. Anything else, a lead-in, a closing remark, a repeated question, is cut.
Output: 10:28:16
